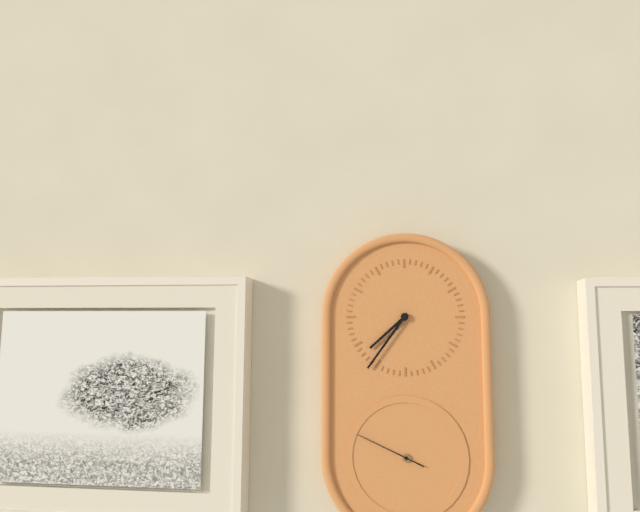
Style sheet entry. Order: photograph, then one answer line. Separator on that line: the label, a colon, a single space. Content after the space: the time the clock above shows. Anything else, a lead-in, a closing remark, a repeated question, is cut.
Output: 7:36:49
